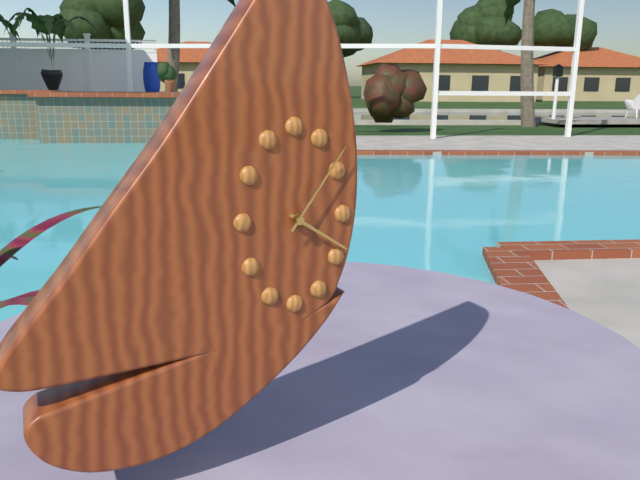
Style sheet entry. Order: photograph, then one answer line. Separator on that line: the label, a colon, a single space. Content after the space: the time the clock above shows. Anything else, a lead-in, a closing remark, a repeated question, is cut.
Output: 4:06
